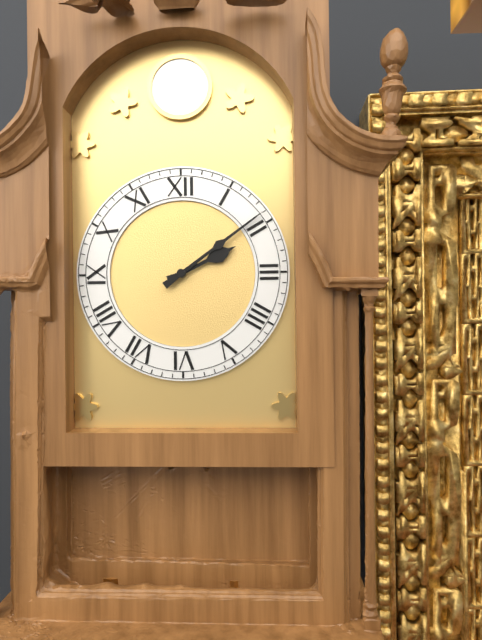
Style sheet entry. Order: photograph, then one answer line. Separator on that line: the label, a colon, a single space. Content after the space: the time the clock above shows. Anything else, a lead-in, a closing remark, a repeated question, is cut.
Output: 2:09
